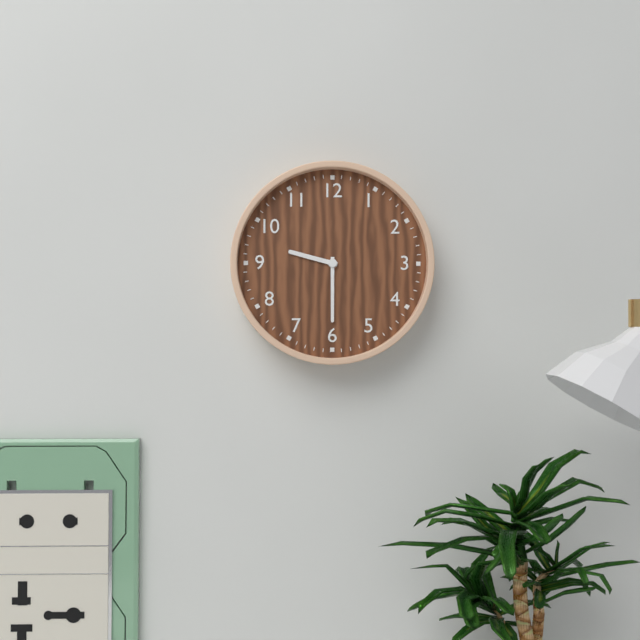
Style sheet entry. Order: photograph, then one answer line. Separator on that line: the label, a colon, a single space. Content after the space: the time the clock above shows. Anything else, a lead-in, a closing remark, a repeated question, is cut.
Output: 9:30
